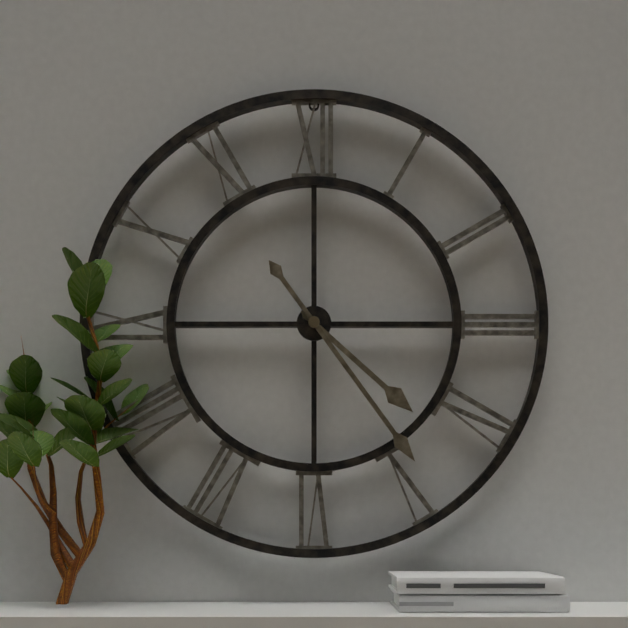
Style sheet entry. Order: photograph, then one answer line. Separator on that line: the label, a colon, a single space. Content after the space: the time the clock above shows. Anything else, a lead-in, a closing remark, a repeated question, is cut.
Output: 4:24
